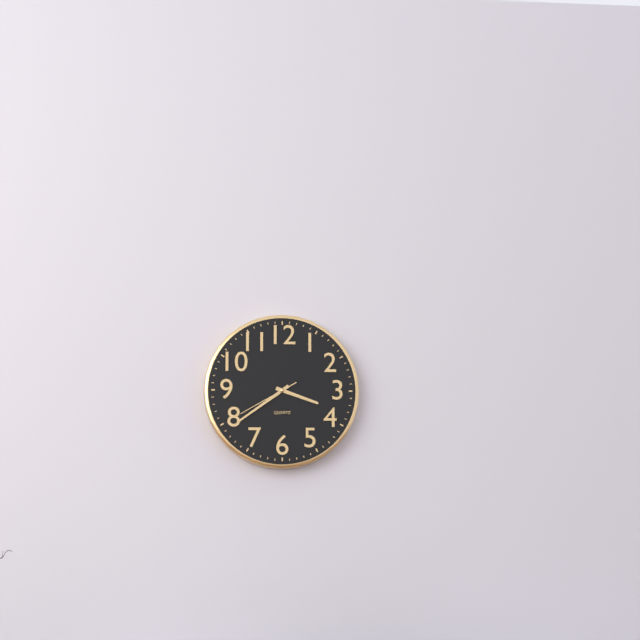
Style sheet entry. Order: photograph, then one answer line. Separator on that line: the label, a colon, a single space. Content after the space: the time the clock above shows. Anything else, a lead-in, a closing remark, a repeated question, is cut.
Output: 3:39:40
